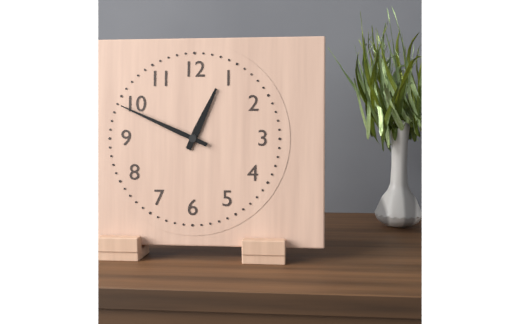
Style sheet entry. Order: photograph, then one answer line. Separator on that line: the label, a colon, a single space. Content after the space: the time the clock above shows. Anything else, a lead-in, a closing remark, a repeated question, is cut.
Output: 12:49
